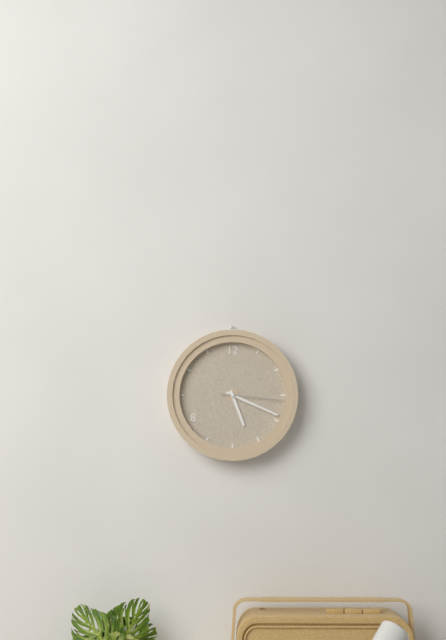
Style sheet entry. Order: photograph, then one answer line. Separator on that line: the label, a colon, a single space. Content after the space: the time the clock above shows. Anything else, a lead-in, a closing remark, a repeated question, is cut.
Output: 5:19:16
